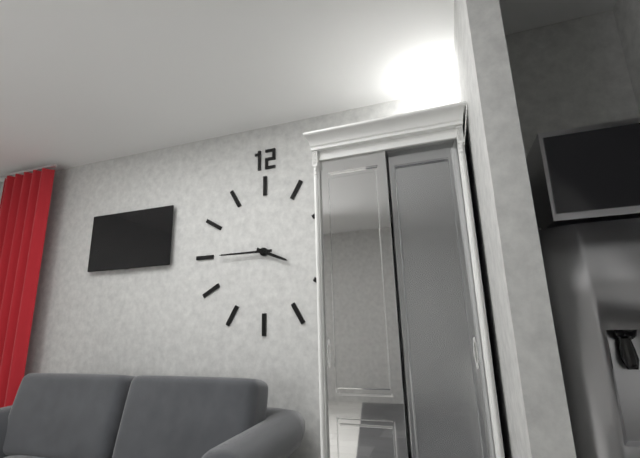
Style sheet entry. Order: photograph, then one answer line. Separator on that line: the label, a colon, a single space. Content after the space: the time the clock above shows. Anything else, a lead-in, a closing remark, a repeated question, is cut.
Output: 3:45
